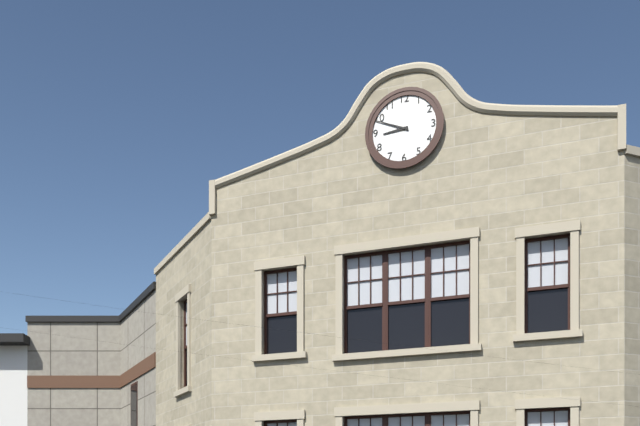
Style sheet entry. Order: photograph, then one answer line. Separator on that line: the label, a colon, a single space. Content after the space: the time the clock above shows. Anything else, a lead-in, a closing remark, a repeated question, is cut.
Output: 8:49
